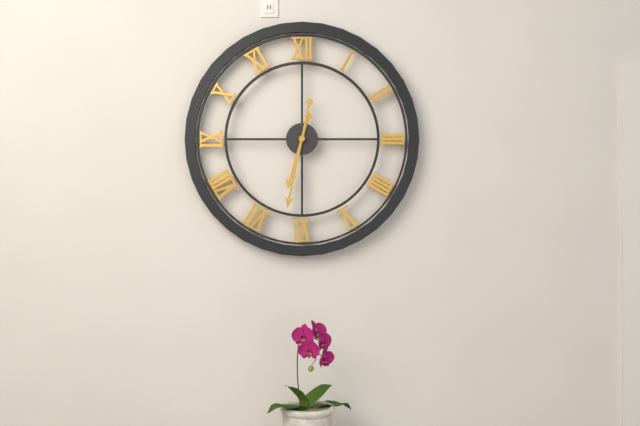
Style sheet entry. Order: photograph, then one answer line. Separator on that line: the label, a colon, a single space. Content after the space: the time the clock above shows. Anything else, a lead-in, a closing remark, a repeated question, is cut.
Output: 6:32
